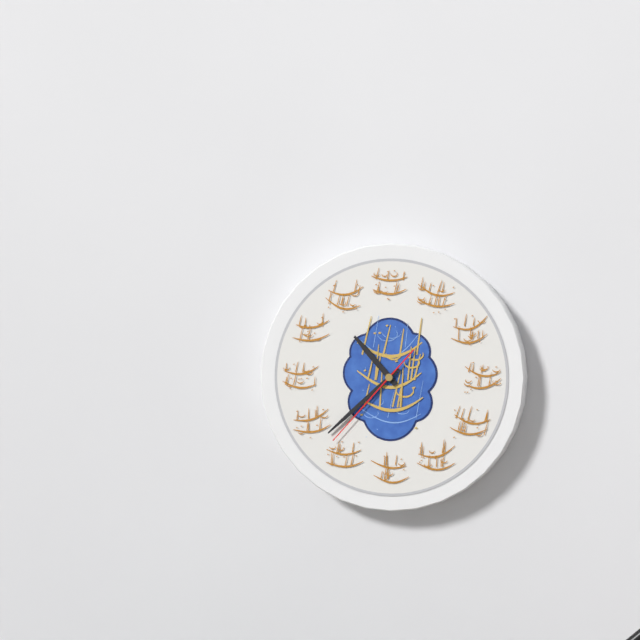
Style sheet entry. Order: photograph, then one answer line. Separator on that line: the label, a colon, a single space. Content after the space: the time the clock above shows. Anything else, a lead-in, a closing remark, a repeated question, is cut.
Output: 10:38:37
